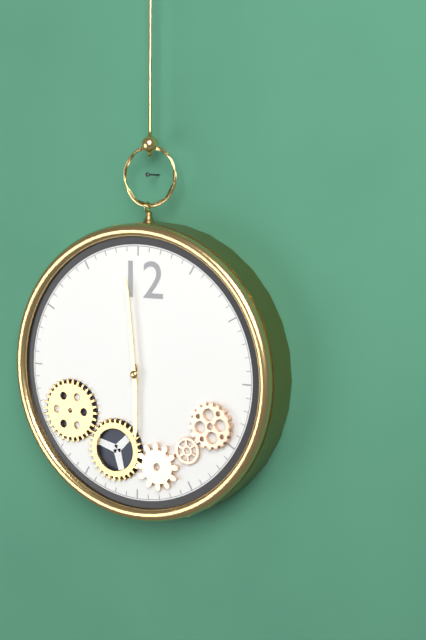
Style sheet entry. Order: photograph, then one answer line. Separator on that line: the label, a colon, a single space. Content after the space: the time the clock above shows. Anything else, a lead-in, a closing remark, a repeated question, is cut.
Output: 5:59
